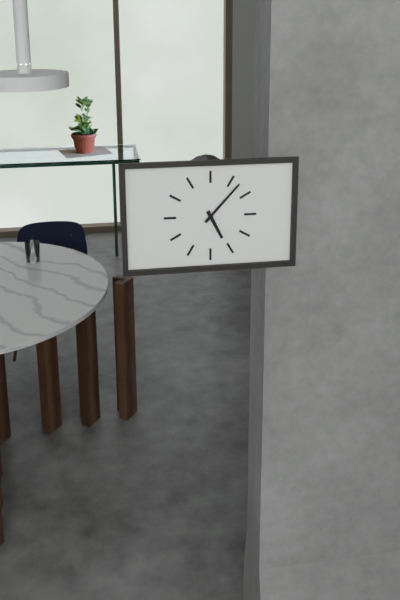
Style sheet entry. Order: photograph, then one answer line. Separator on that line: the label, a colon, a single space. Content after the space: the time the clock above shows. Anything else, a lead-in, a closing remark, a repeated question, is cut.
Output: 5:07
